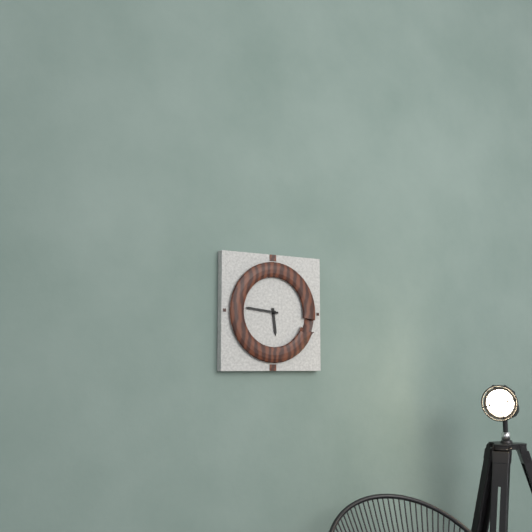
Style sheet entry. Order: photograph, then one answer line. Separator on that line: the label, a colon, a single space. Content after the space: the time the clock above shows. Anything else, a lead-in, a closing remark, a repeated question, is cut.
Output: 5:46
